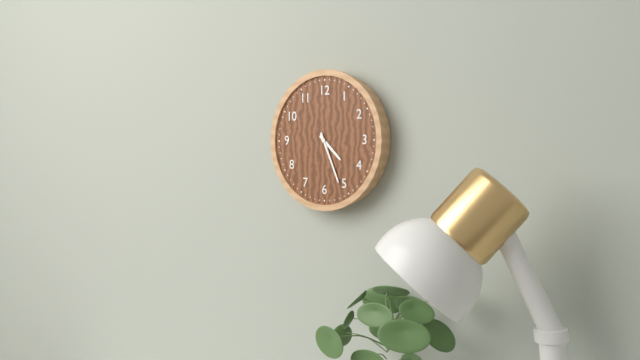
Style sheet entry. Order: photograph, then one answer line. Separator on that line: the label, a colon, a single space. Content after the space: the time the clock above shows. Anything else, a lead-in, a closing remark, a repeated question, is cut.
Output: 4:26
